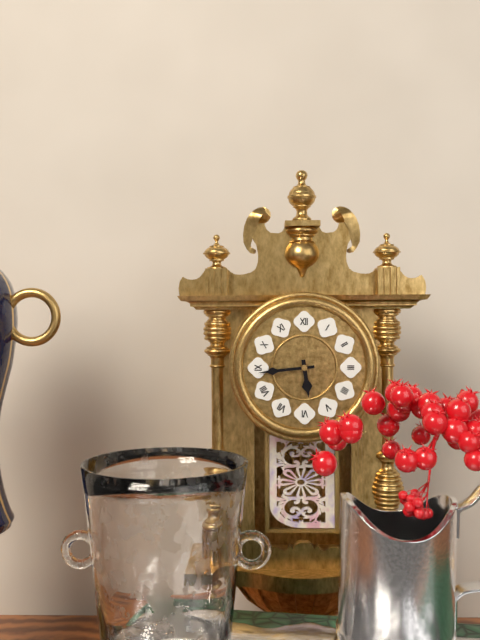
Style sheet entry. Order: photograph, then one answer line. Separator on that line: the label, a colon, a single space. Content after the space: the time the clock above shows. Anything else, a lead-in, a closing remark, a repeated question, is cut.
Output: 5:44
